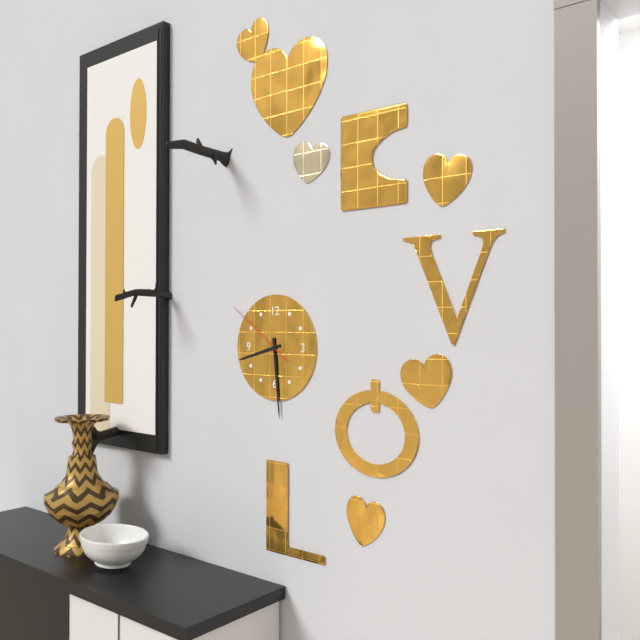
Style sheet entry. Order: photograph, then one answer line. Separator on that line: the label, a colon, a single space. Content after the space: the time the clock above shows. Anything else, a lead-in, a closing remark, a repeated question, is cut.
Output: 8:29:51
